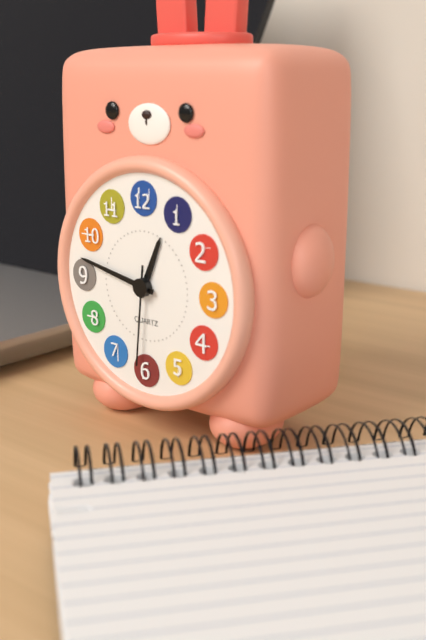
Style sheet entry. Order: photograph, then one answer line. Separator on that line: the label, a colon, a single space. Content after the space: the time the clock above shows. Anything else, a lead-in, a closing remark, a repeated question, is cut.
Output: 12:47:31
